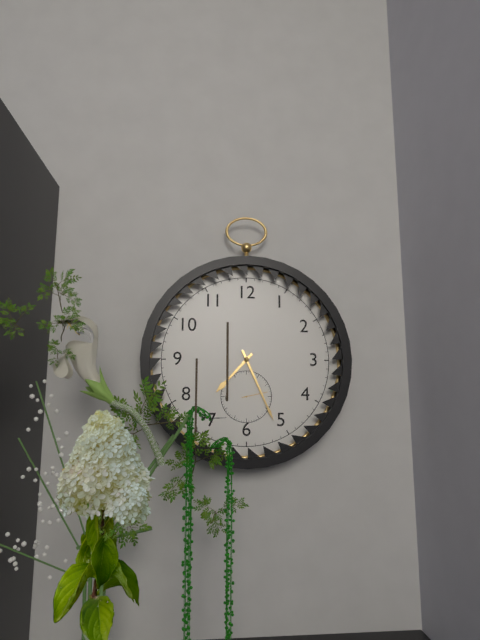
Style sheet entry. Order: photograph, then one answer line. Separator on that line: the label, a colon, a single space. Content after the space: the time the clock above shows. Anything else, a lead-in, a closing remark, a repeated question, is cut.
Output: 7:26
